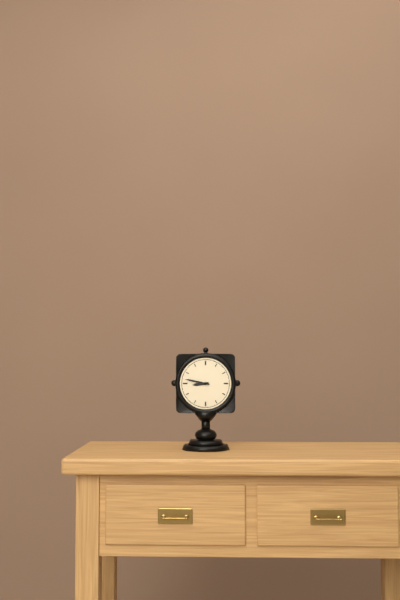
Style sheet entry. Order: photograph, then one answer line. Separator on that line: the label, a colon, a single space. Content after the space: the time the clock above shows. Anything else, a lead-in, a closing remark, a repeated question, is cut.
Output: 8:47
